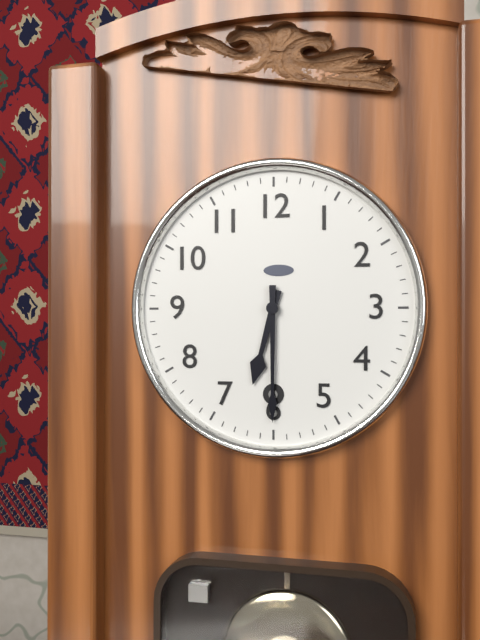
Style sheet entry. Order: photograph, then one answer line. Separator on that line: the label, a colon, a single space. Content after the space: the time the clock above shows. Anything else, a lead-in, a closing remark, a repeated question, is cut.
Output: 6:30
